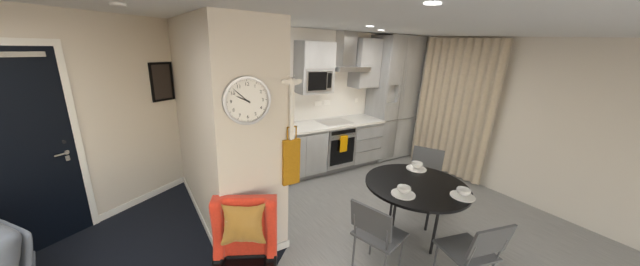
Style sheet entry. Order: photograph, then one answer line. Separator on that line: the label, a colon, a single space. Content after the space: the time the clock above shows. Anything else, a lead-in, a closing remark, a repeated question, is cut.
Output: 9:52
